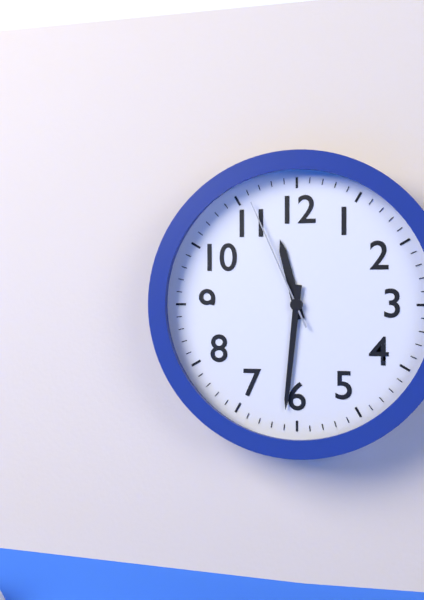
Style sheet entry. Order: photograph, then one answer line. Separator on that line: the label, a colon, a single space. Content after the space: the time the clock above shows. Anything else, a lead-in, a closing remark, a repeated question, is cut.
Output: 11:31:56
